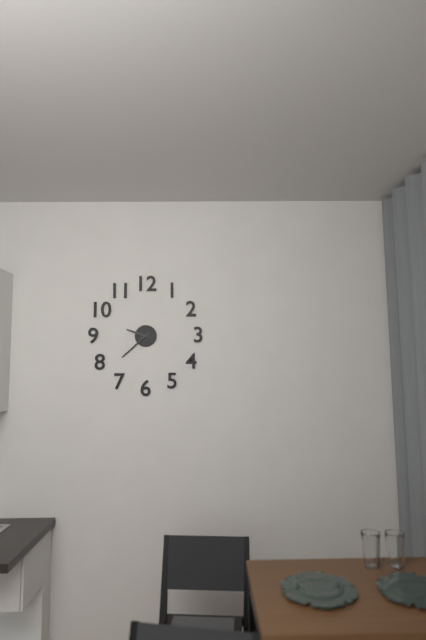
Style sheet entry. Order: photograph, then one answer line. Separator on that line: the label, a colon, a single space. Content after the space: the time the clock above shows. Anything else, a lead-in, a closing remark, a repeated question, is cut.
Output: 9:38
